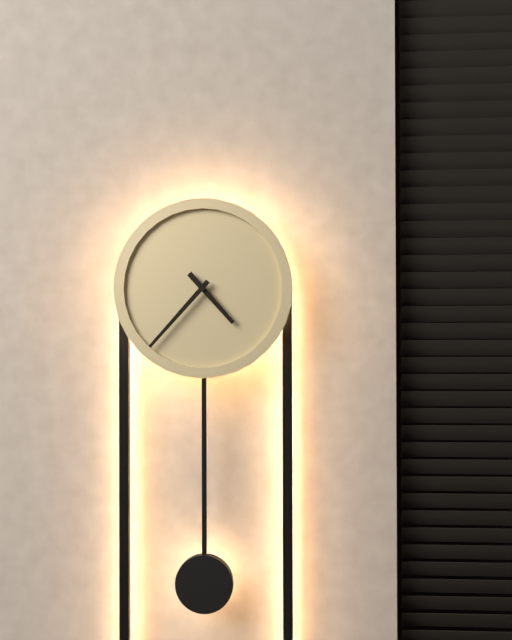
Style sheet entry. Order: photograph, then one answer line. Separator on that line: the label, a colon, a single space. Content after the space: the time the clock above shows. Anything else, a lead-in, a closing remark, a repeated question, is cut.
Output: 4:37
